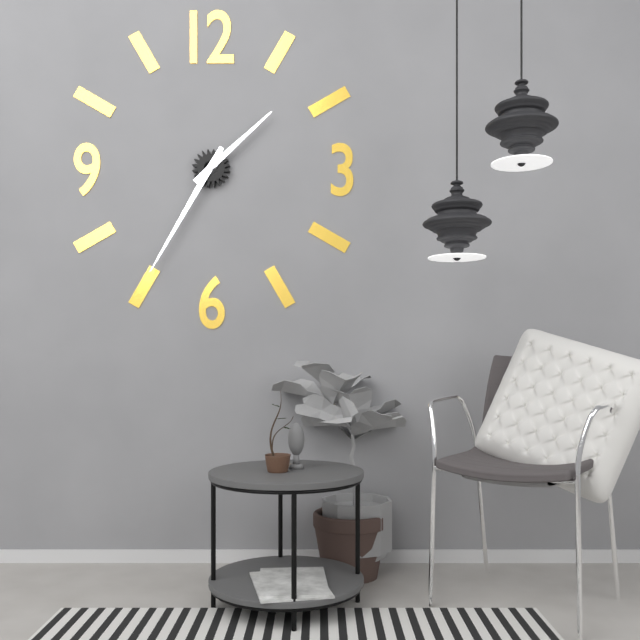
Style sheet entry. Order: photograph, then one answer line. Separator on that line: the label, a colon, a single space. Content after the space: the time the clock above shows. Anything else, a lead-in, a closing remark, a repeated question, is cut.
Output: 1:35
